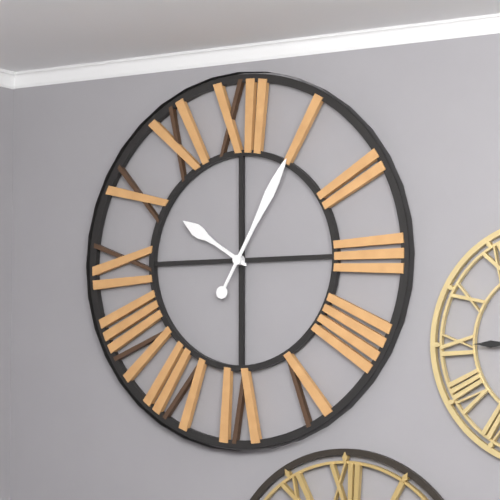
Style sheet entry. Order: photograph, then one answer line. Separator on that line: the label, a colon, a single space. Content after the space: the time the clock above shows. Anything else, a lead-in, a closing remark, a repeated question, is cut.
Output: 10:05
